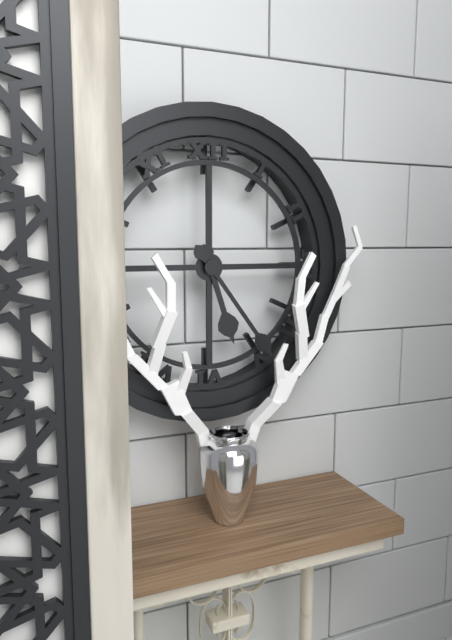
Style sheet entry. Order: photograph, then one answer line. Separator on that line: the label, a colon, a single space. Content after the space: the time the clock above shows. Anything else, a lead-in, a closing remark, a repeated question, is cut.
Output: 5:24
